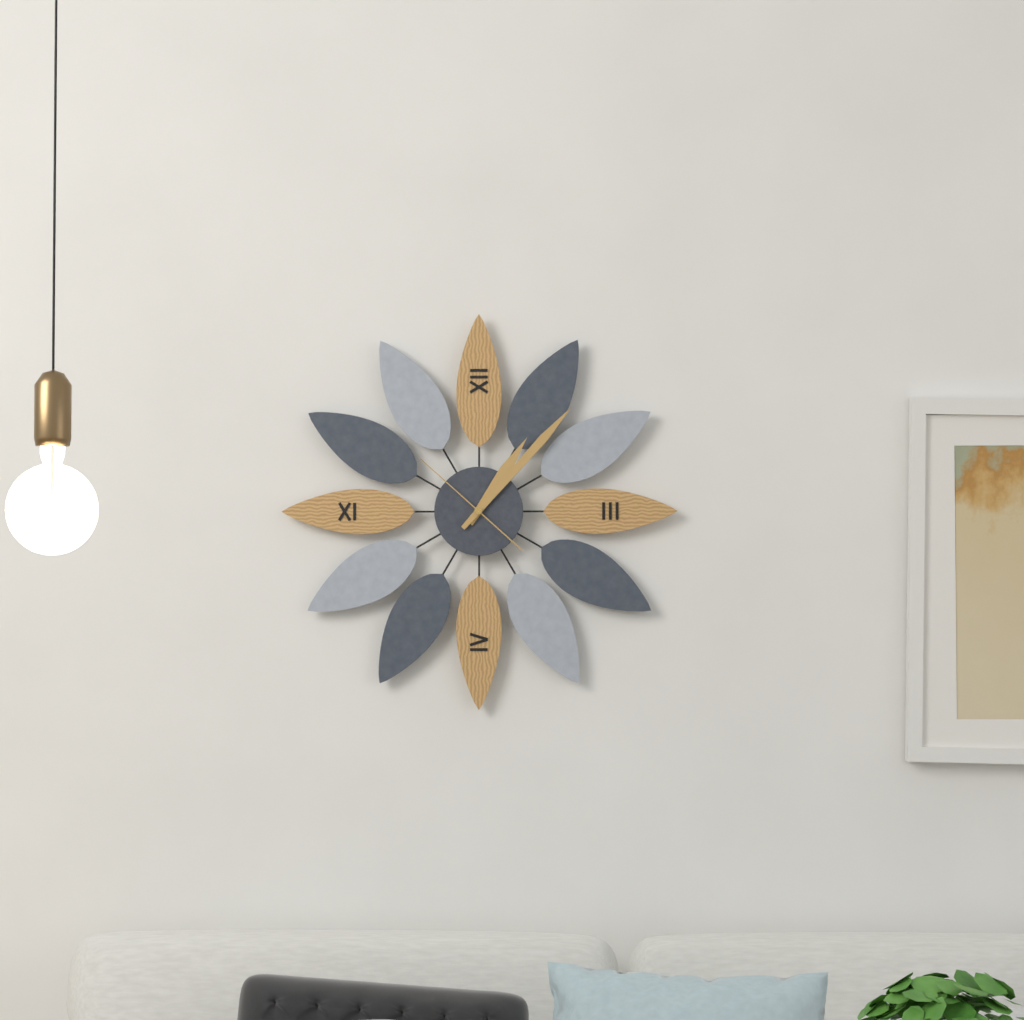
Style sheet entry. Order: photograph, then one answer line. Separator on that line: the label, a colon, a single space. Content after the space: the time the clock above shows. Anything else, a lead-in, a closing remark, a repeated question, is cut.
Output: 1:07:52
